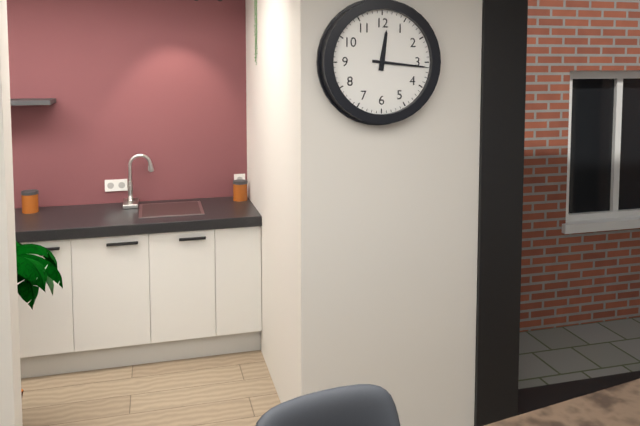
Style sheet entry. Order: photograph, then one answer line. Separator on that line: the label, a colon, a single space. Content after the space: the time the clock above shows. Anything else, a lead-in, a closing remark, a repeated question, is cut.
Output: 12:16
